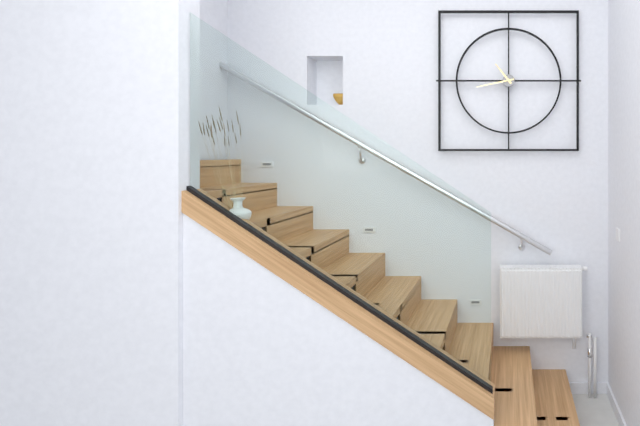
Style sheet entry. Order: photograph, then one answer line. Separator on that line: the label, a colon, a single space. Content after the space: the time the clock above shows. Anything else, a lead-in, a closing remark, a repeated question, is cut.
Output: 10:43
